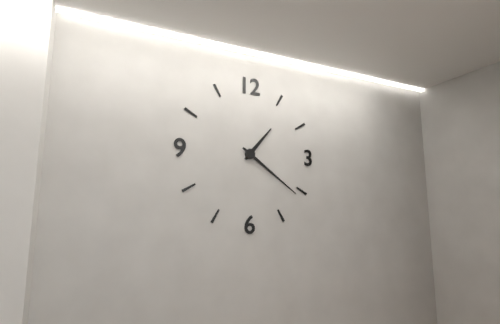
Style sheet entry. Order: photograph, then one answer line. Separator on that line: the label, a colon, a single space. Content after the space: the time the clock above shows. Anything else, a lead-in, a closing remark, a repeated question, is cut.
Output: 1:21
